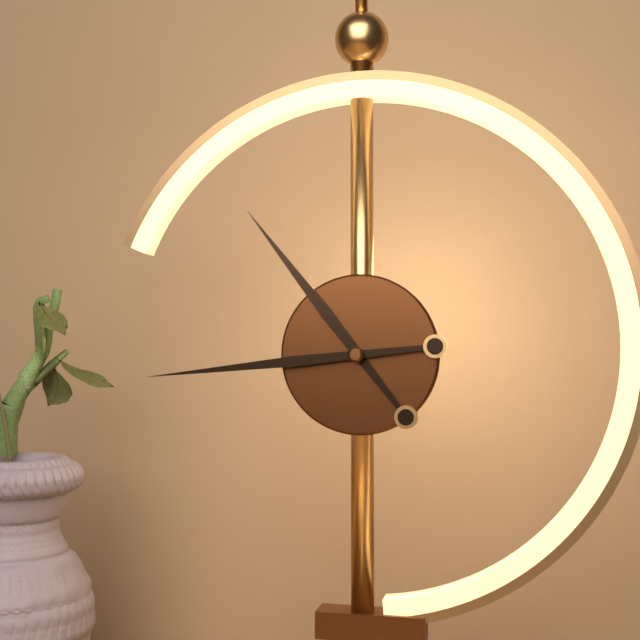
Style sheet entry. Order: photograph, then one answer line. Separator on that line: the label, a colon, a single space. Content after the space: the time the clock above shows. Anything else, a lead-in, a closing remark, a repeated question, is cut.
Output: 10:44
